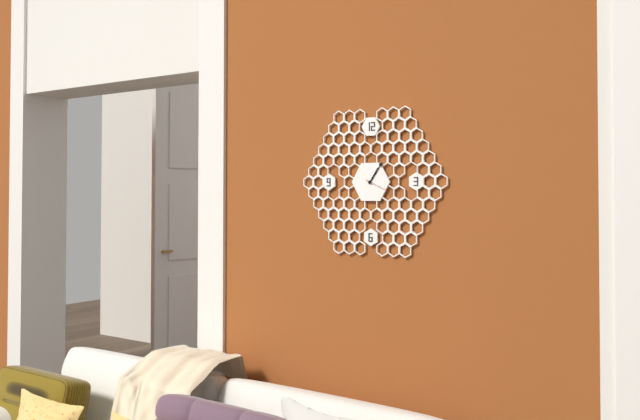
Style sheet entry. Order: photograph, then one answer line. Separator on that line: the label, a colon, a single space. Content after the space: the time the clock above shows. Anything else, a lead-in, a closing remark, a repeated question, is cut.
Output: 1:06
